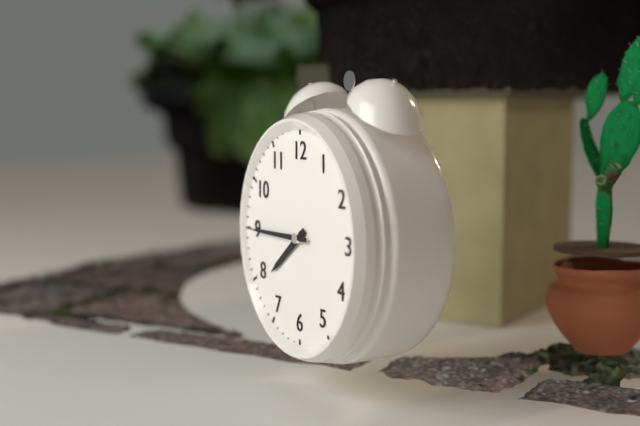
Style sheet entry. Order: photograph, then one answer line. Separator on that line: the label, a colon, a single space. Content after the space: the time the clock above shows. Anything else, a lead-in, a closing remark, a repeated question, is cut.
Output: 7:45
